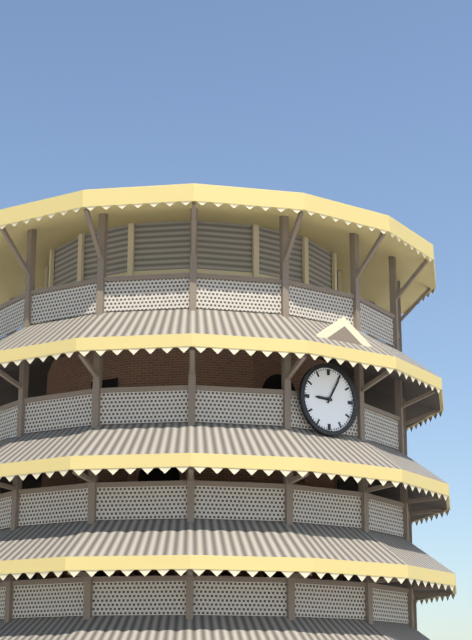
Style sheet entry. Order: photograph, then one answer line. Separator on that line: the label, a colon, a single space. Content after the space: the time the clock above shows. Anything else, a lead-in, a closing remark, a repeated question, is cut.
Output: 9:05
